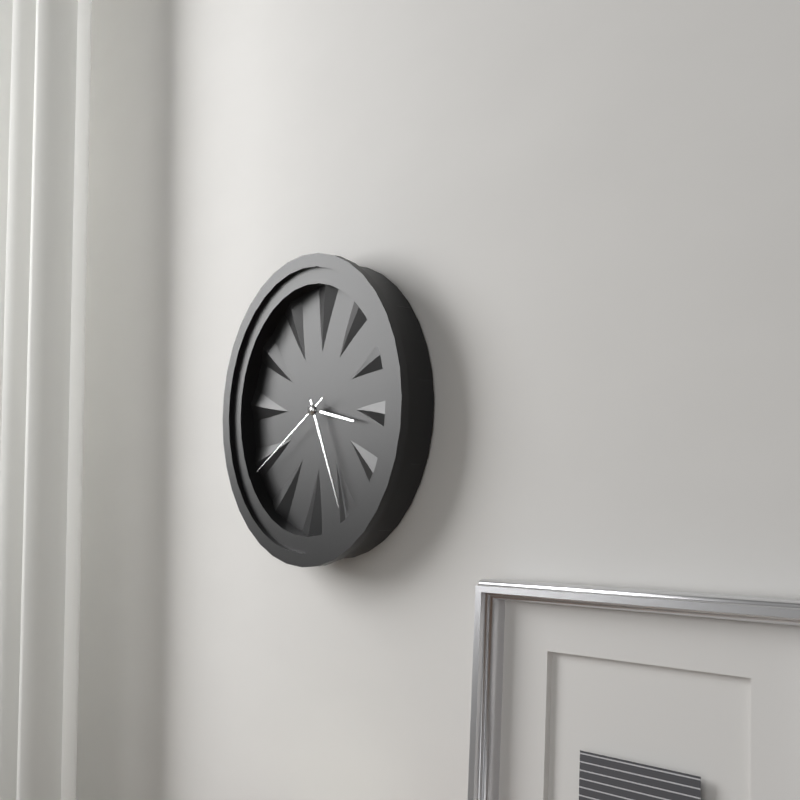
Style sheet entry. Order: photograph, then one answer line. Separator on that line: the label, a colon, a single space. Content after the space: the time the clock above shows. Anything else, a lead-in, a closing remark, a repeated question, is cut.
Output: 3:26:40
